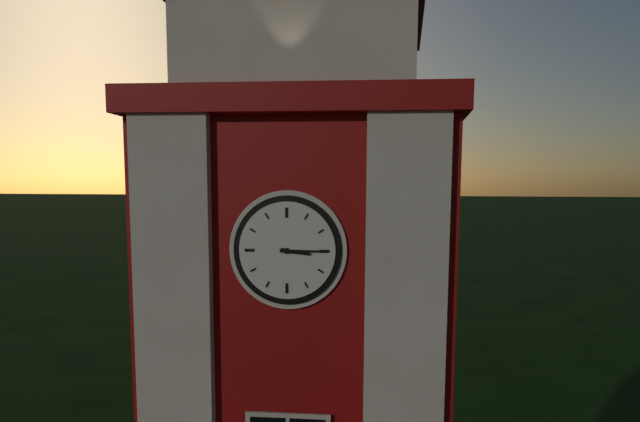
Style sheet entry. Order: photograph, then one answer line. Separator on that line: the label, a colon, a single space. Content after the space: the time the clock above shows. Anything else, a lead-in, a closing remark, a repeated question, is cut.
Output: 3:15
